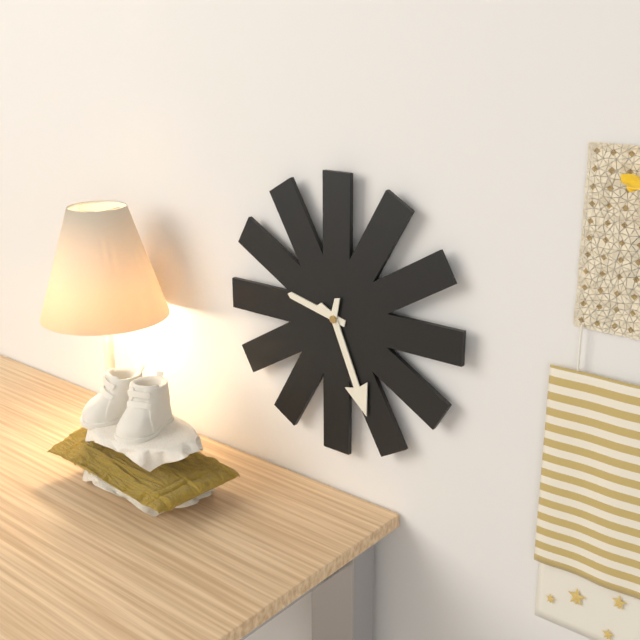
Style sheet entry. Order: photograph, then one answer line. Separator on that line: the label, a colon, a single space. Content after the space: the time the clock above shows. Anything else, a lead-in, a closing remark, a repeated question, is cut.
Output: 9:26
